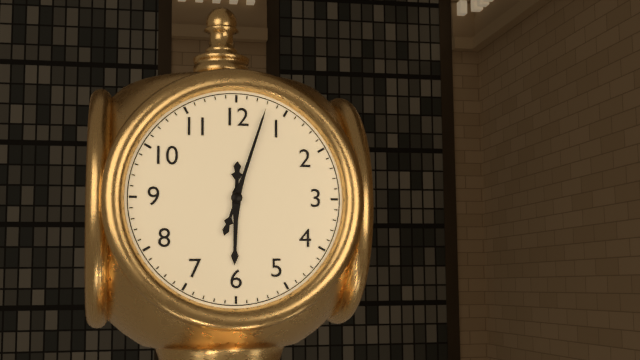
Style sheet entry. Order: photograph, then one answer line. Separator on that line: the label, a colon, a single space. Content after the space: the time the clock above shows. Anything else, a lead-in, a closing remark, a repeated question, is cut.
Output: 6:03
